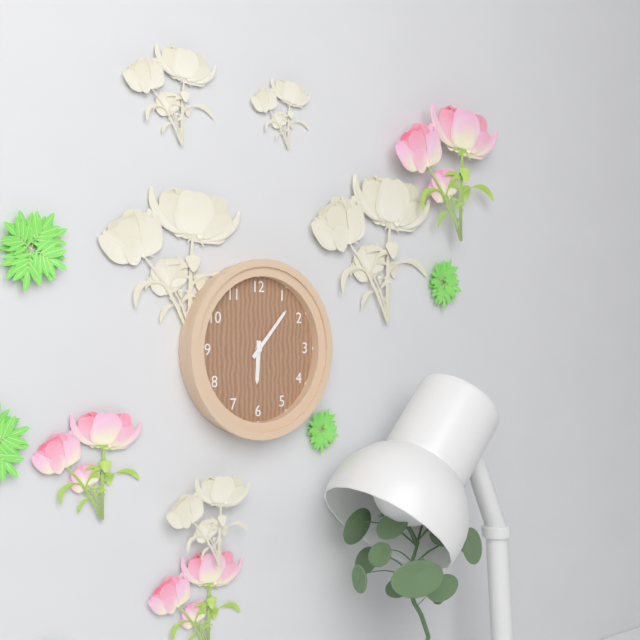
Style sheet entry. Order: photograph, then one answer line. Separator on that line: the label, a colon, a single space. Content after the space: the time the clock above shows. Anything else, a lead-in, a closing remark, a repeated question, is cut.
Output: 6:07
